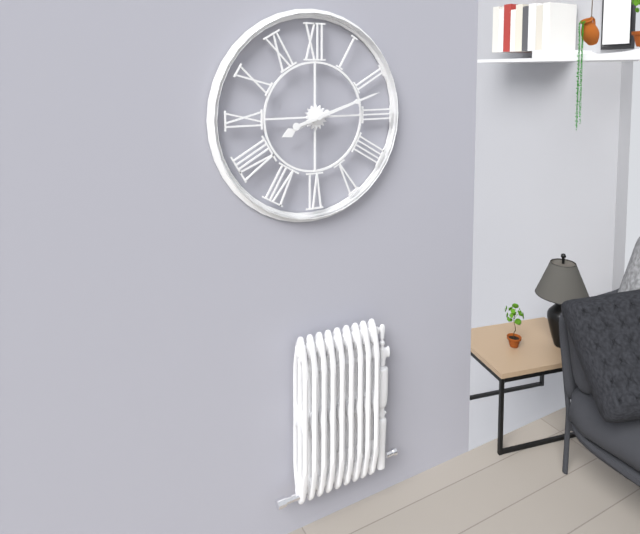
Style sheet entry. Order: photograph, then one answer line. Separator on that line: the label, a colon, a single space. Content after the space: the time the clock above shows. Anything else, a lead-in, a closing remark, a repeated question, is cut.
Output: 8:12
